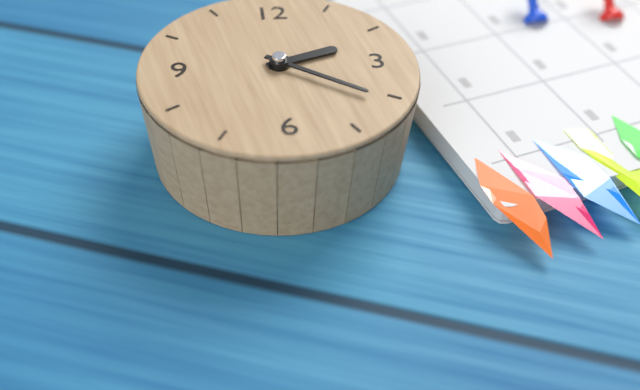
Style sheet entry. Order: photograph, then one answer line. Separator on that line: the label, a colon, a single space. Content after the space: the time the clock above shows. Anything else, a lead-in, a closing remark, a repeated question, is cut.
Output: 2:21
